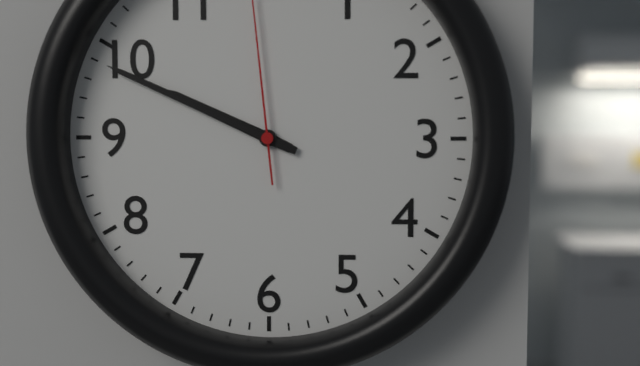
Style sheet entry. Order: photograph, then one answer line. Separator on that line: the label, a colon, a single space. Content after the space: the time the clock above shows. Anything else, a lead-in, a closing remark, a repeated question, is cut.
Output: 9:49
